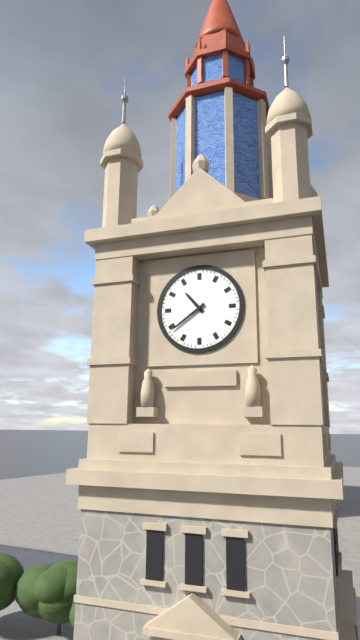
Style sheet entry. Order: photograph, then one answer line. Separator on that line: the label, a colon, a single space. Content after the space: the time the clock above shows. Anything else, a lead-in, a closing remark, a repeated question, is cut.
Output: 10:39
